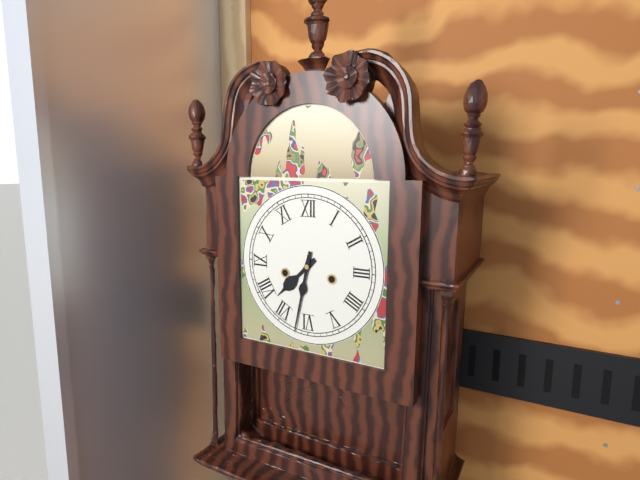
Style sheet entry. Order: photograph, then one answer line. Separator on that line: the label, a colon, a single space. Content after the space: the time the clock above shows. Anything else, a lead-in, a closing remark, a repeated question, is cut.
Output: 7:32
